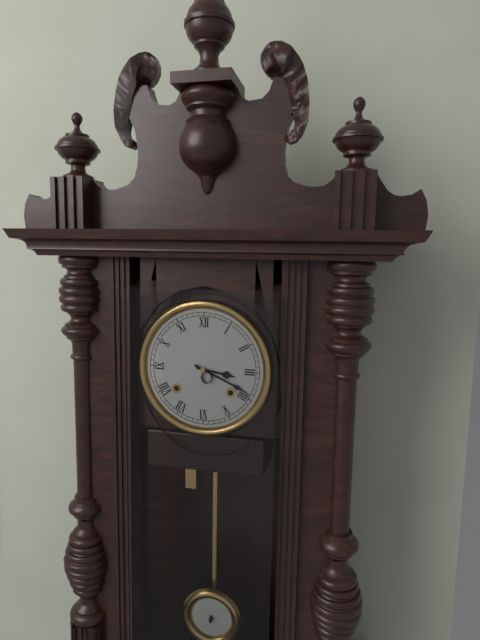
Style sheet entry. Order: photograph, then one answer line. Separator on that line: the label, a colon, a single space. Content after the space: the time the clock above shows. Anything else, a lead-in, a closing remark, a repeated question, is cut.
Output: 3:19
